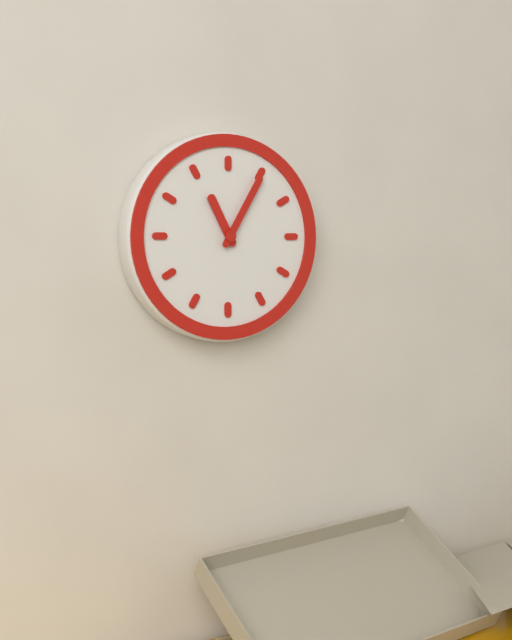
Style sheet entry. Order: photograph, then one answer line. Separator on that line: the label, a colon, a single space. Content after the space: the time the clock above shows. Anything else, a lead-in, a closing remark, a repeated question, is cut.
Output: 11:05
